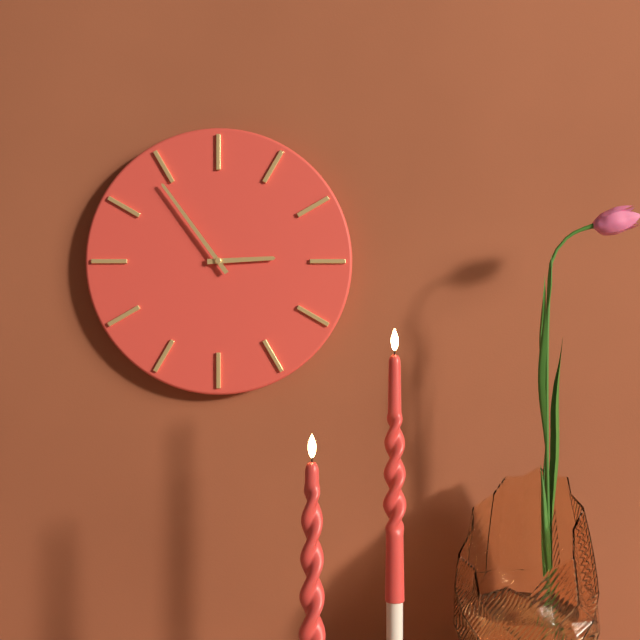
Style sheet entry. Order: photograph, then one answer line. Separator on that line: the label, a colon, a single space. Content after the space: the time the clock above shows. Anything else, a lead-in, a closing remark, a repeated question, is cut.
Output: 2:54
